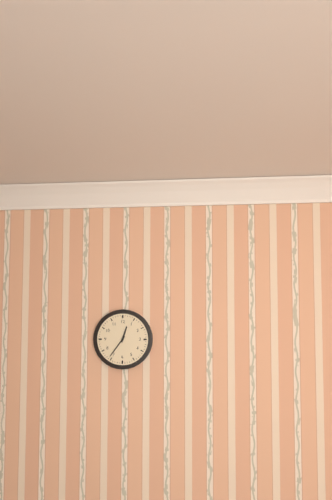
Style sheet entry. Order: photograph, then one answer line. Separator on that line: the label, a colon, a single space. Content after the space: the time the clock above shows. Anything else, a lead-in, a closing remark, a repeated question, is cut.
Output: 12:36
